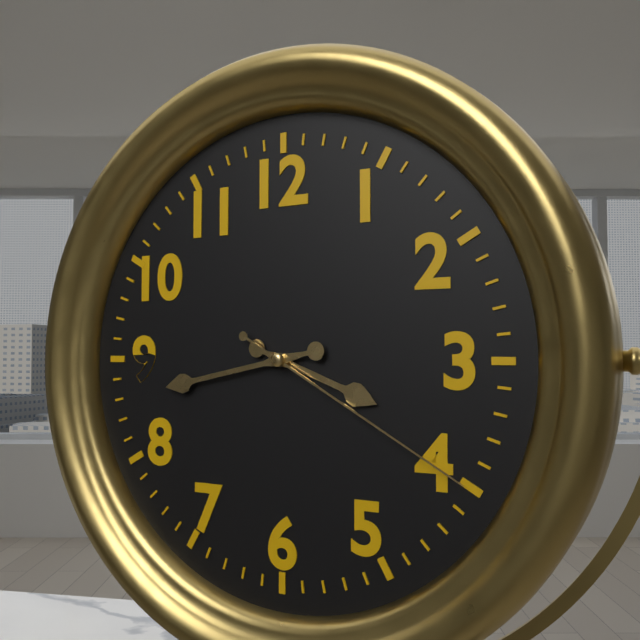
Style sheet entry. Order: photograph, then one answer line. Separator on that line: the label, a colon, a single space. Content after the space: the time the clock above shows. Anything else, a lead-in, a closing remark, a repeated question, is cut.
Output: 3:43:20
